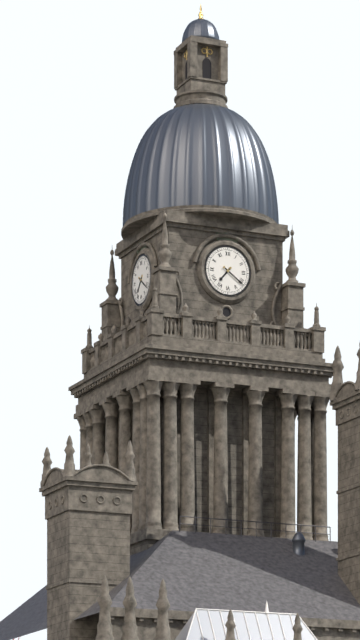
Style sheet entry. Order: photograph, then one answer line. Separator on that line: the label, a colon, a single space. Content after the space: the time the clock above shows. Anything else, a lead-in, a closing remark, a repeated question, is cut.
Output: 7:21
